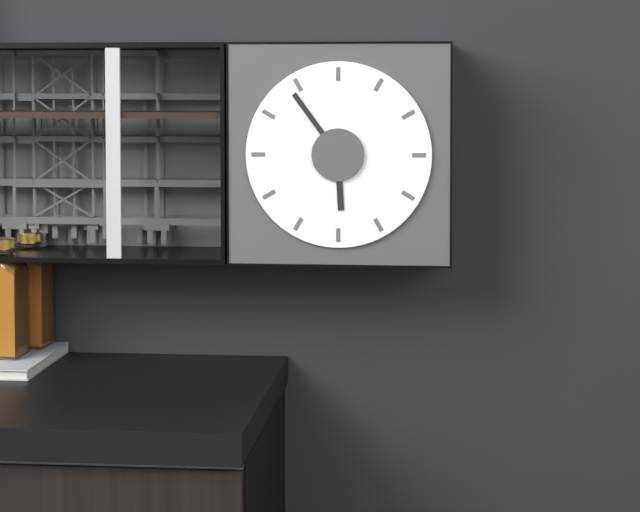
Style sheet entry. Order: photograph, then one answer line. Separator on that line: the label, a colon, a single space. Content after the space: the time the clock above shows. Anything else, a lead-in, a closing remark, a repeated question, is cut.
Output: 5:54
